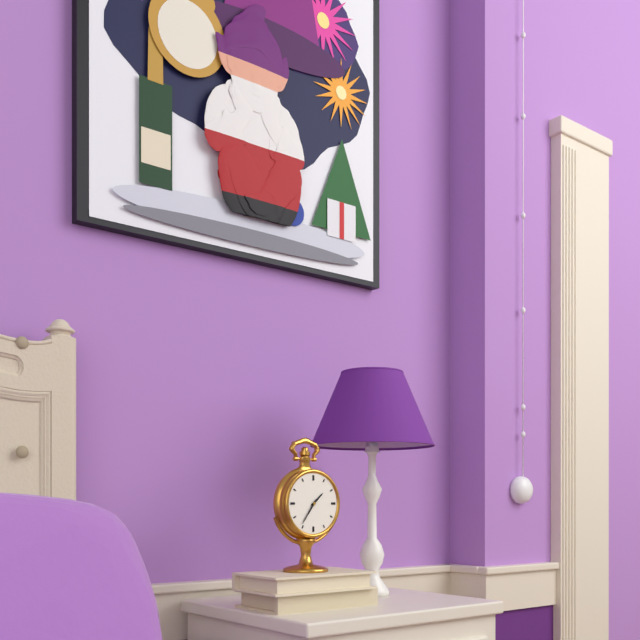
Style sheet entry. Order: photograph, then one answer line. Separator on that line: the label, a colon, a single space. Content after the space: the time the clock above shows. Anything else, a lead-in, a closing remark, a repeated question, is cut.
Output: 1:36
